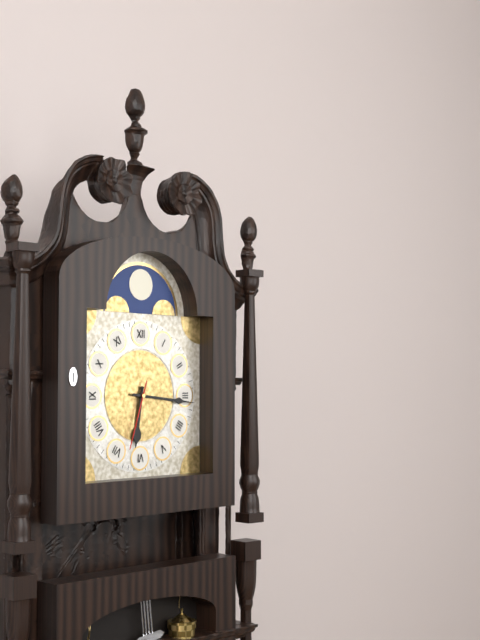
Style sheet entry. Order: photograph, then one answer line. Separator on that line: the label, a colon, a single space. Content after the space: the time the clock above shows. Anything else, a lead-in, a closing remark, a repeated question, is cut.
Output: 6:16:33
